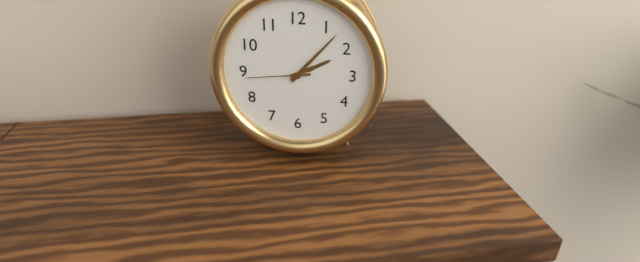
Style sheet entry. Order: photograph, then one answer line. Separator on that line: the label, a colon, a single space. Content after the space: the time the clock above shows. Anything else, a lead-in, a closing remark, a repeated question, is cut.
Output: 2:07:44
